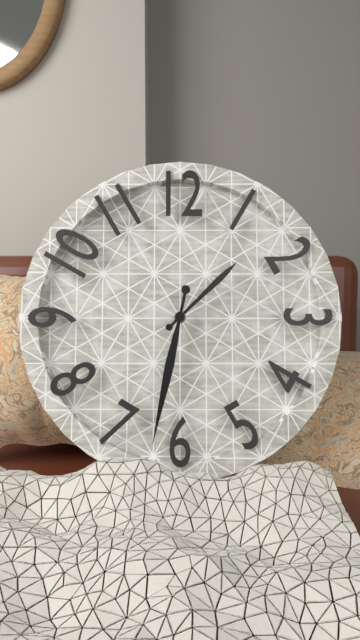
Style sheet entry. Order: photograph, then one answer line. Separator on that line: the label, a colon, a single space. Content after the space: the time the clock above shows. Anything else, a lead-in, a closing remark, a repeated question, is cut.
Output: 1:32
